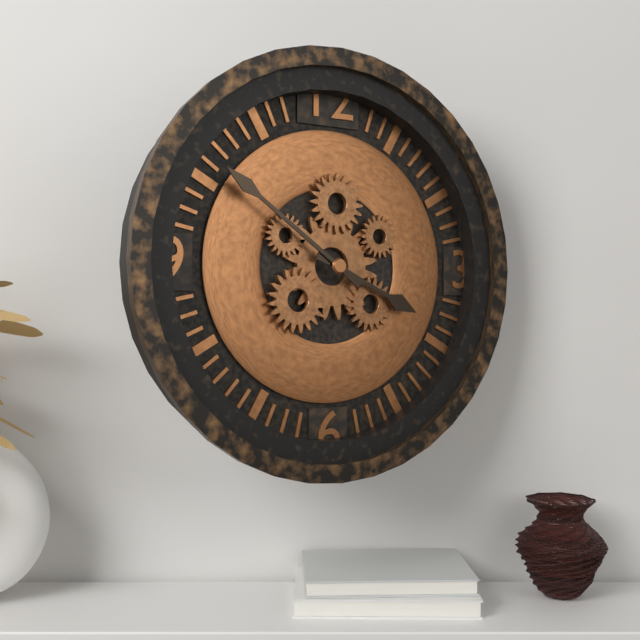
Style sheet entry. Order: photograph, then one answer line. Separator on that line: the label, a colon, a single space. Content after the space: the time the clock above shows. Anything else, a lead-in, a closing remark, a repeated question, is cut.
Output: 3:51
